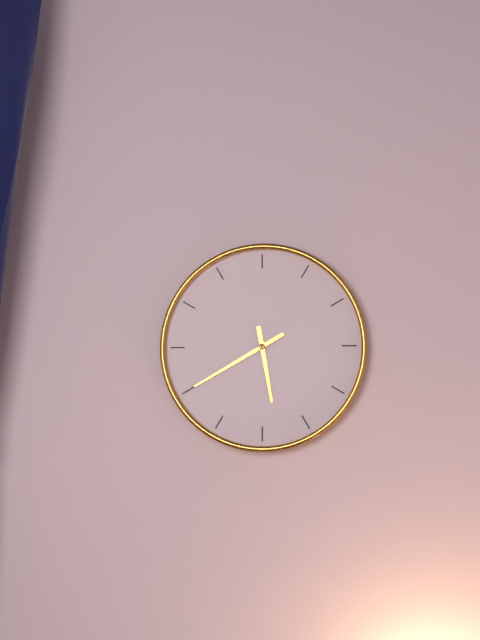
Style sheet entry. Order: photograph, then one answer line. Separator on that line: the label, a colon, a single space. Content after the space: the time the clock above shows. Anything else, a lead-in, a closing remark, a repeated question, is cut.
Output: 5:40
